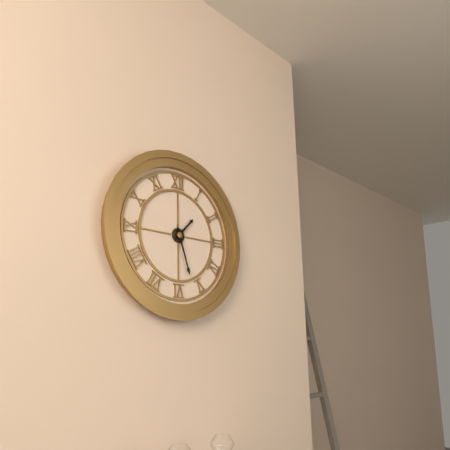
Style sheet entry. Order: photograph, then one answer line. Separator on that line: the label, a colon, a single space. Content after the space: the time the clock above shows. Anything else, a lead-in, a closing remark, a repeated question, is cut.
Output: 1:27
